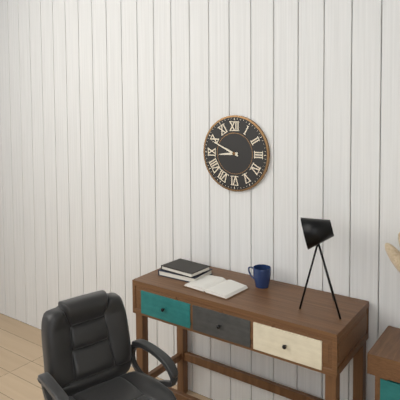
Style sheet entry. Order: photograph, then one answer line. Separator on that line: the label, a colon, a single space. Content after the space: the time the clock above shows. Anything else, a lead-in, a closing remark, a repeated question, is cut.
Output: 8:49
